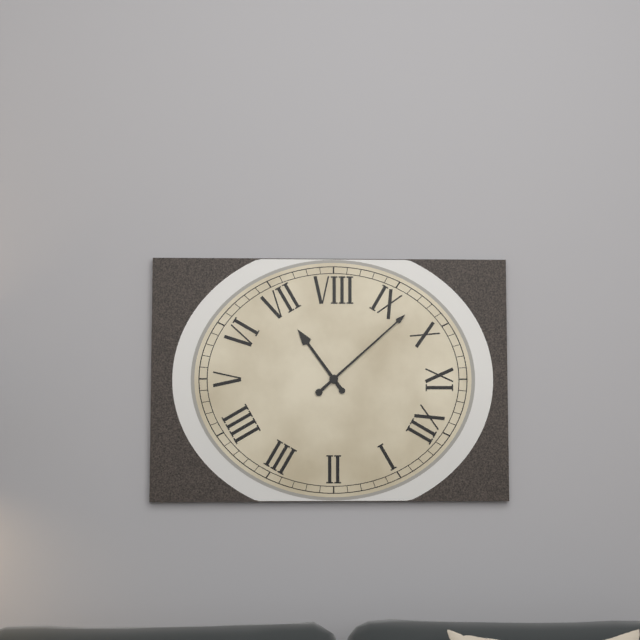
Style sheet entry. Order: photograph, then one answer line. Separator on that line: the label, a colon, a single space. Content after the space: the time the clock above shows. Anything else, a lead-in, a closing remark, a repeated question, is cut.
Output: 6:48
